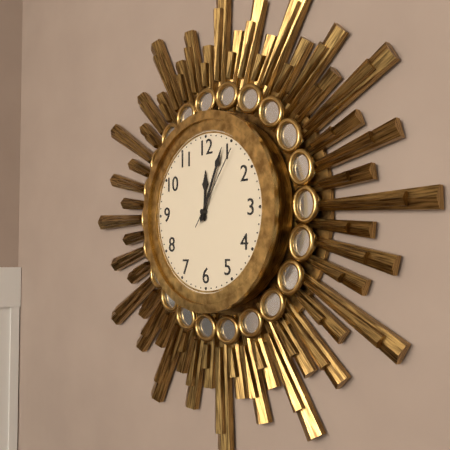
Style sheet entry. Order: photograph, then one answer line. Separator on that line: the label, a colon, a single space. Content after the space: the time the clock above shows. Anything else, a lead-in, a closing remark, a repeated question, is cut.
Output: 12:04:06
